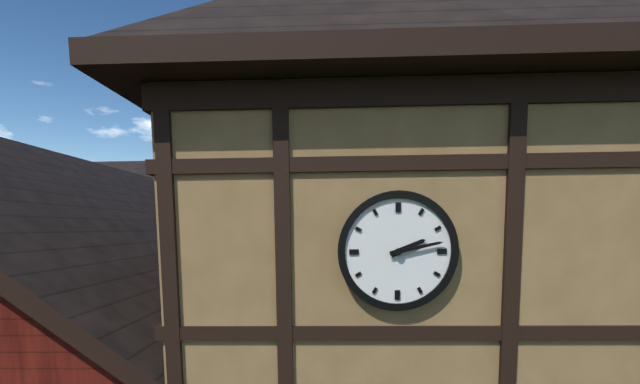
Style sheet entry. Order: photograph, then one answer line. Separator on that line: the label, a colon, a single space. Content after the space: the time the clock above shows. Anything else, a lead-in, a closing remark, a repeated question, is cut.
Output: 2:13
